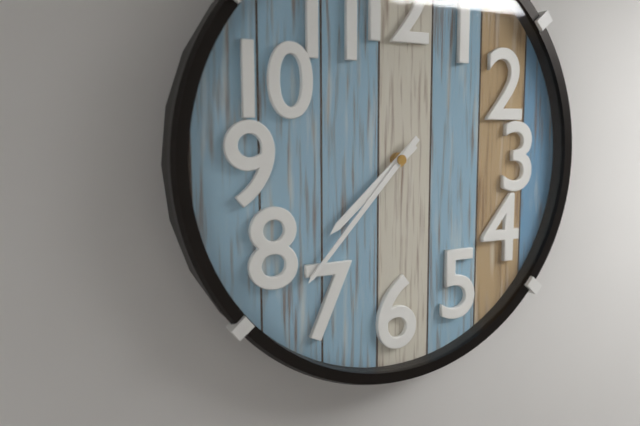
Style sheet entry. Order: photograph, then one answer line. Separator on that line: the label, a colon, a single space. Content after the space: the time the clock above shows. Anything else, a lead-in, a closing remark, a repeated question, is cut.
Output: 7:37
